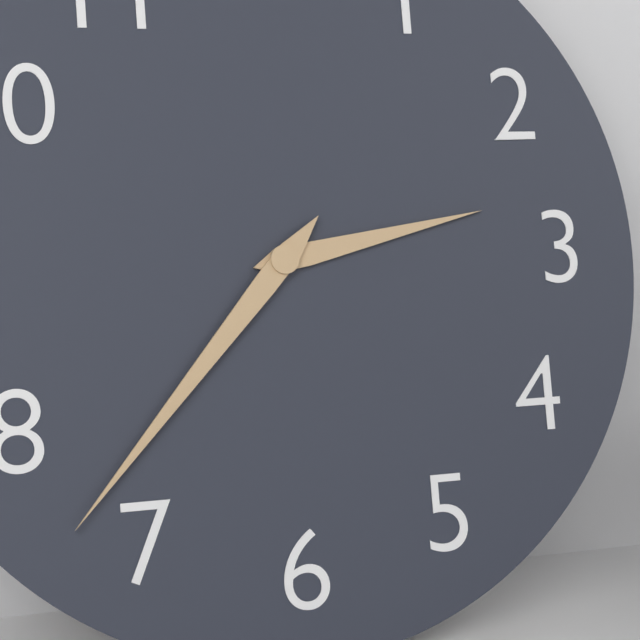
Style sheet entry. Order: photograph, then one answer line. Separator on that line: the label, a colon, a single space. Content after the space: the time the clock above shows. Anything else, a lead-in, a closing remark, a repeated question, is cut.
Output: 2:37
